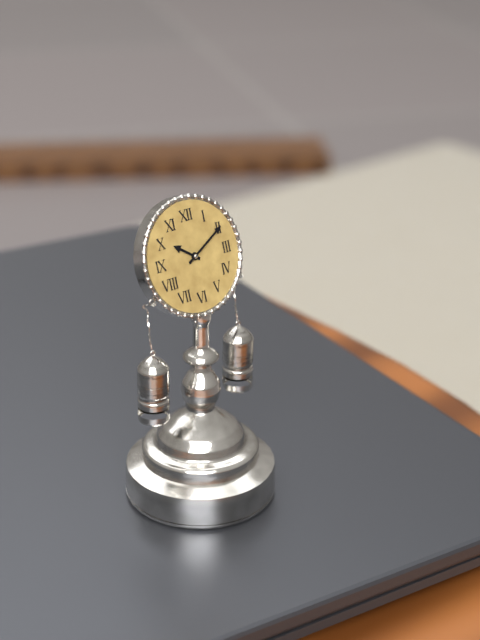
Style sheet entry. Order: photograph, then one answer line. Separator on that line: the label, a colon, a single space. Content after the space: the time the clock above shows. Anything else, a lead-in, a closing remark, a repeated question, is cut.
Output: 10:10
